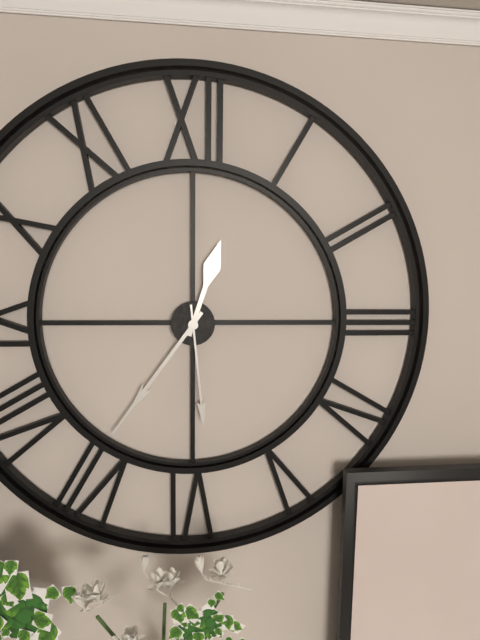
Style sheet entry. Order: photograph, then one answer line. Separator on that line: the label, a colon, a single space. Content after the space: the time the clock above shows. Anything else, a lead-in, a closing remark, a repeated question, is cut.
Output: 12:36:29
